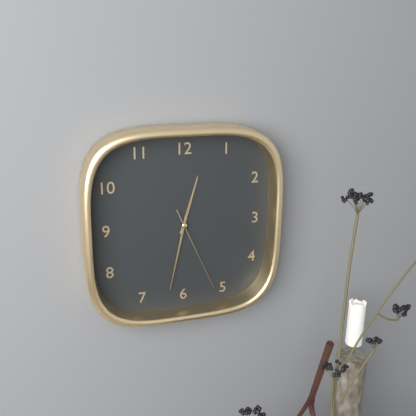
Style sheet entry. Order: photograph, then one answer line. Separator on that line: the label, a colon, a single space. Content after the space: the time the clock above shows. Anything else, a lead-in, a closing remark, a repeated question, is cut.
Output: 12:32:26
